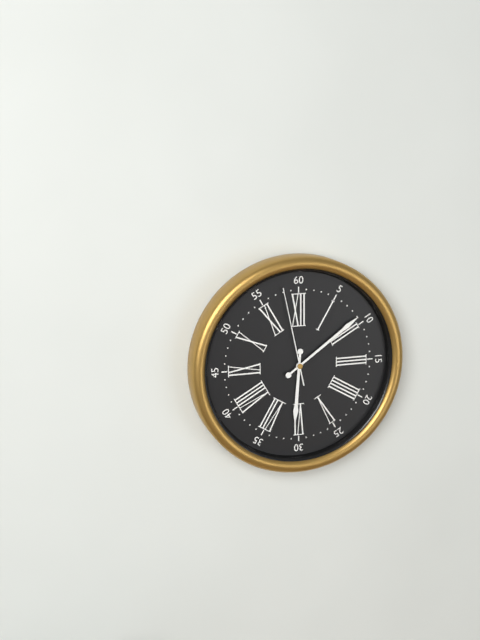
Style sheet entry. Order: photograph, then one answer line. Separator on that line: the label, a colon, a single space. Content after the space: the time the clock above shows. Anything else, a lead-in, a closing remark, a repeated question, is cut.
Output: 6:09:58
